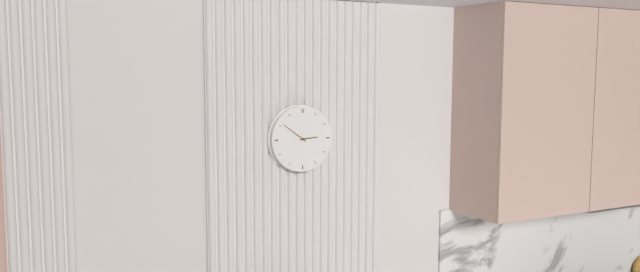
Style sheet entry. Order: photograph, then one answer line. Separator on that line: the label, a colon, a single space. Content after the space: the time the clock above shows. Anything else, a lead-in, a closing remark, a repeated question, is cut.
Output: 2:51
